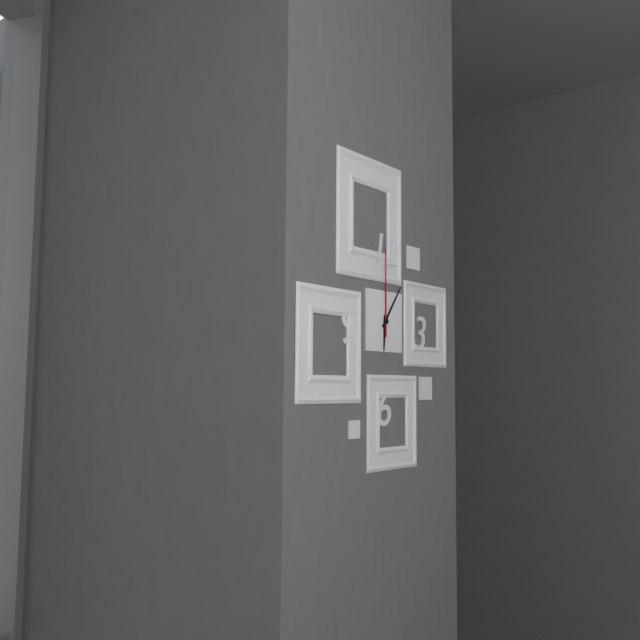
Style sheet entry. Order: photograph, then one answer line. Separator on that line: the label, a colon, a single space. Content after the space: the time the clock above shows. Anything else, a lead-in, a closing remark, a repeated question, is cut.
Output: 6:06:00
